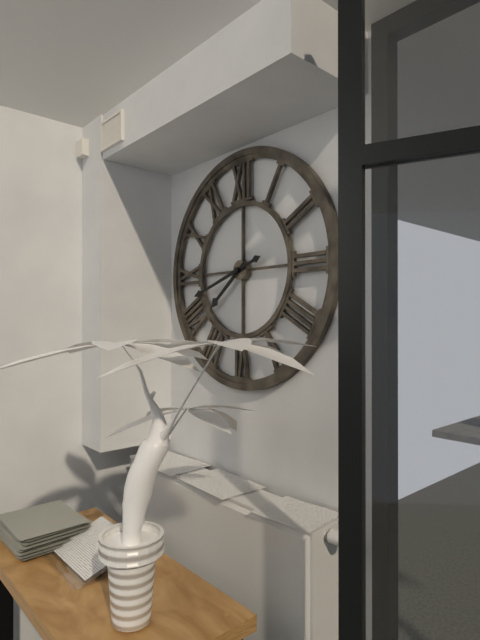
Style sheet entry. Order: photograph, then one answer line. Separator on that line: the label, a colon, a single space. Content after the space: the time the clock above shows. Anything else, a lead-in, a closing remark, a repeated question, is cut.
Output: 7:42
